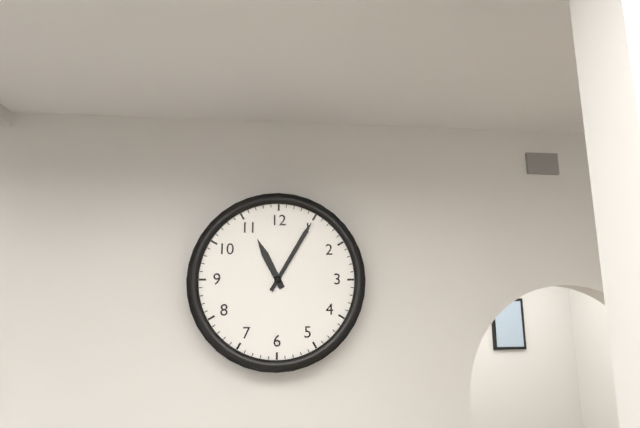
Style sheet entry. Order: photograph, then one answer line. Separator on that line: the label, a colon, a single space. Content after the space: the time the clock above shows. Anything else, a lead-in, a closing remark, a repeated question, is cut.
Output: 11:05
